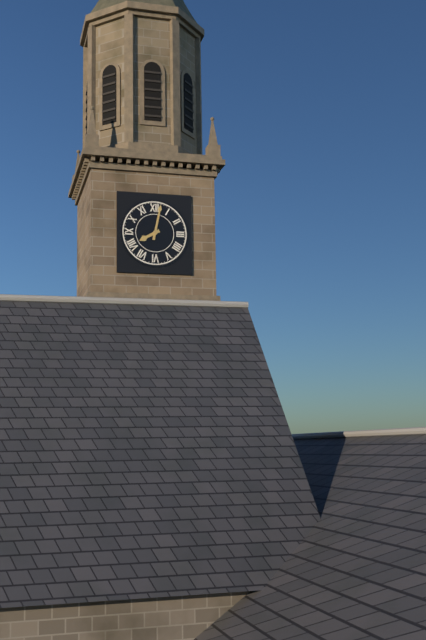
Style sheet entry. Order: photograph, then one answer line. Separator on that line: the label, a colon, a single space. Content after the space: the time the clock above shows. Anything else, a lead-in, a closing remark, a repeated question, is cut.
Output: 8:02
